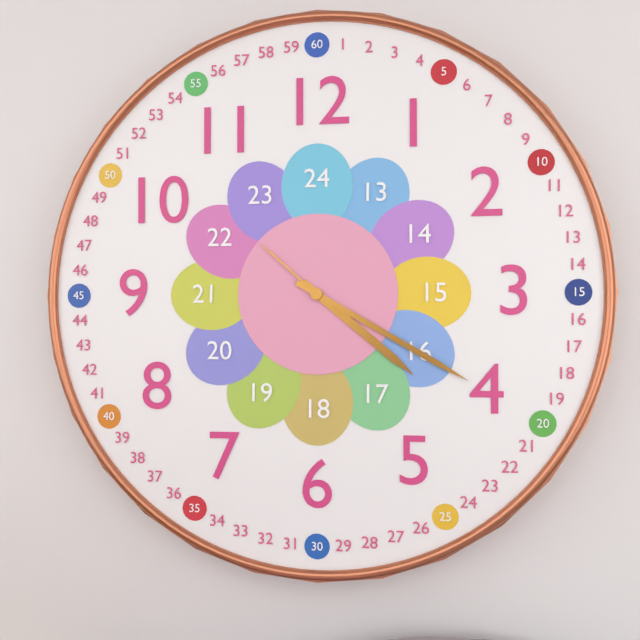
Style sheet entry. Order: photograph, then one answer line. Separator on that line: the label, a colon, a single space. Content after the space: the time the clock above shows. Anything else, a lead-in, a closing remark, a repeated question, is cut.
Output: 4:20:52
